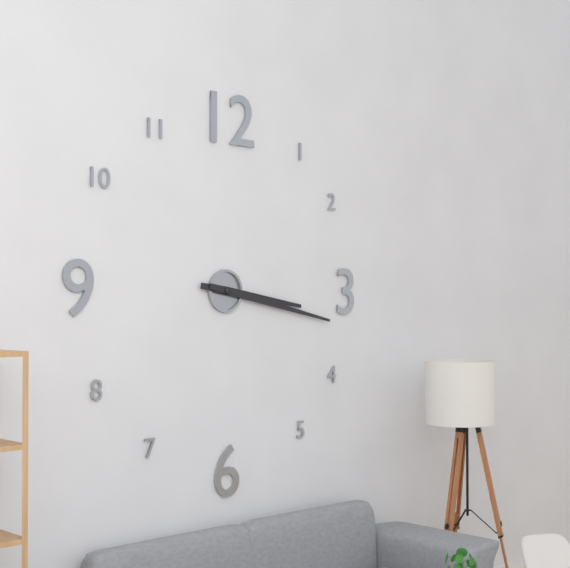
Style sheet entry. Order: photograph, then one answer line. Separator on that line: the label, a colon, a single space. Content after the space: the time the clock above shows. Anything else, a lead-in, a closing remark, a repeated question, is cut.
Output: 3:17
